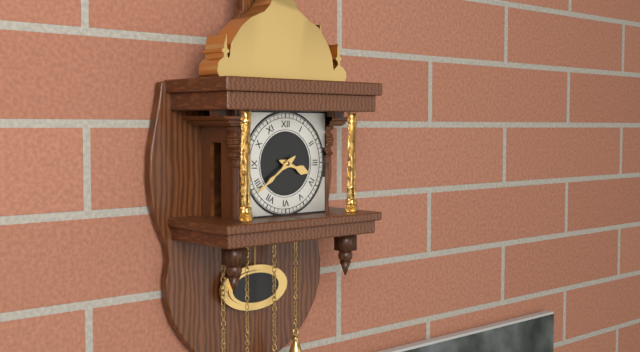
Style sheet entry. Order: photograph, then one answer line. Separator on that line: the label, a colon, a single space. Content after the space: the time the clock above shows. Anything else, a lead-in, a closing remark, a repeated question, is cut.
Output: 3:39
